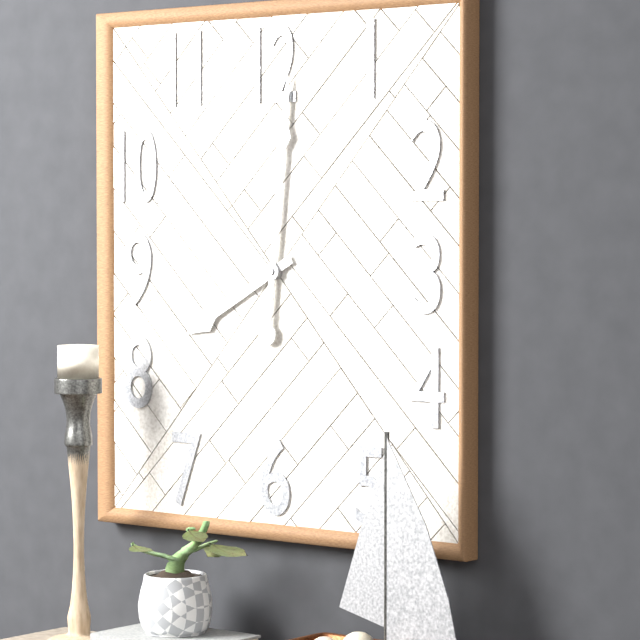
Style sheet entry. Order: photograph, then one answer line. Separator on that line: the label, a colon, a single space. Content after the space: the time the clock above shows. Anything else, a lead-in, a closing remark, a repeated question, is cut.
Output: 8:01
